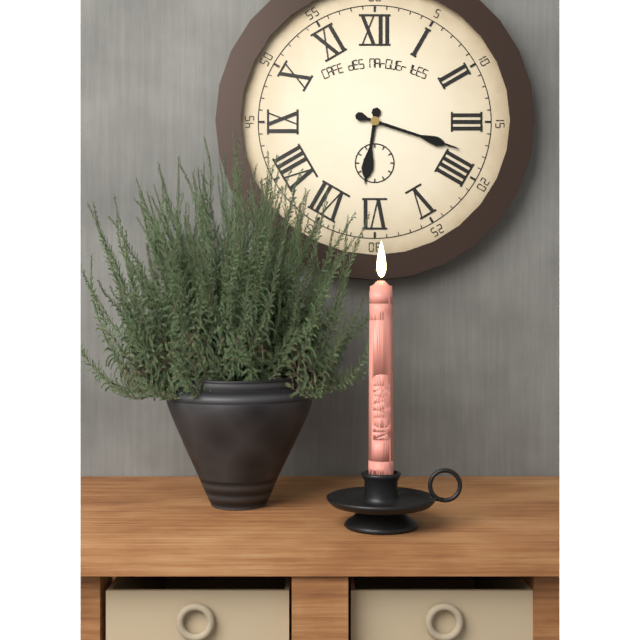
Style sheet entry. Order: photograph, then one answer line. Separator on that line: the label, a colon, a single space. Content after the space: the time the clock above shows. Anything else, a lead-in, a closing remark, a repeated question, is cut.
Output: 6:18
